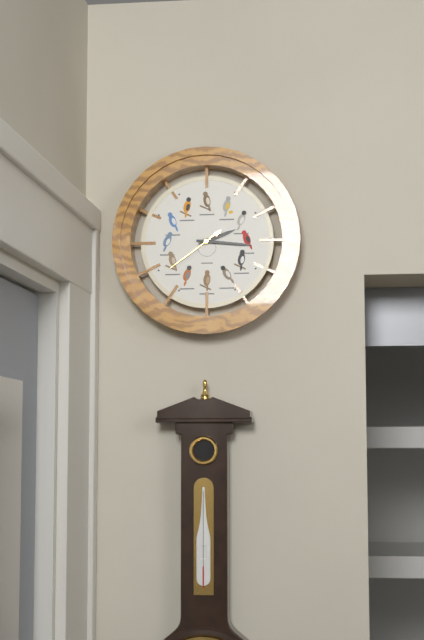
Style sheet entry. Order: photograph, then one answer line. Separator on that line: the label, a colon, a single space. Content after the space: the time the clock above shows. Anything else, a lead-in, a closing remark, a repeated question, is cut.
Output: 2:16:39
